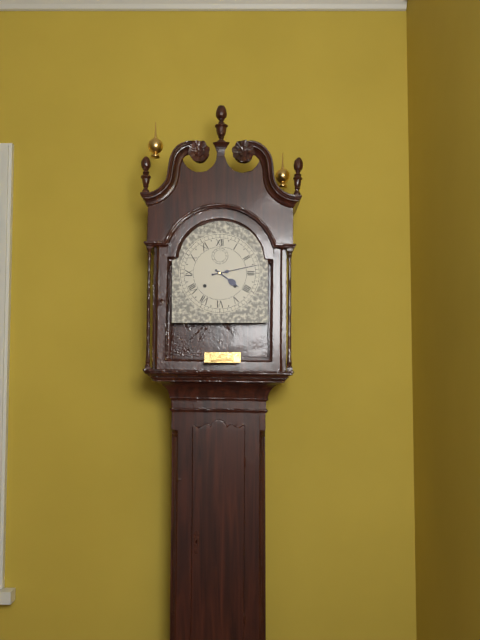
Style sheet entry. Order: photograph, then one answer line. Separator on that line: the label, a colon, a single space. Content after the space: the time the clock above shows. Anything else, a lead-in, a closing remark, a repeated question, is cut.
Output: 4:13
